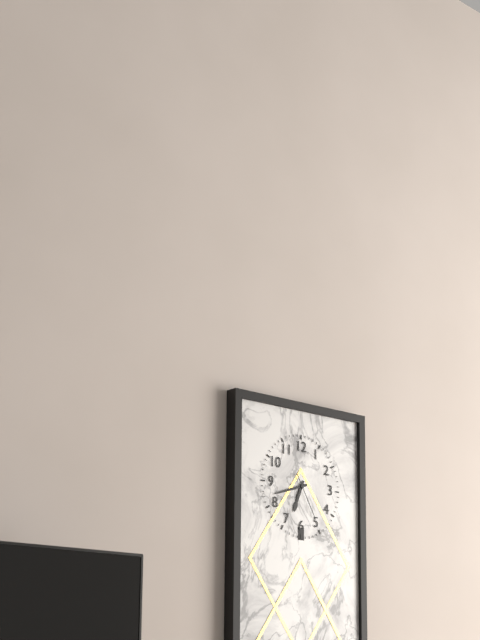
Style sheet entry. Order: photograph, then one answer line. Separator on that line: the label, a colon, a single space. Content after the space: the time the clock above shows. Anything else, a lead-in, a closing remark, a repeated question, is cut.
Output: 6:42
